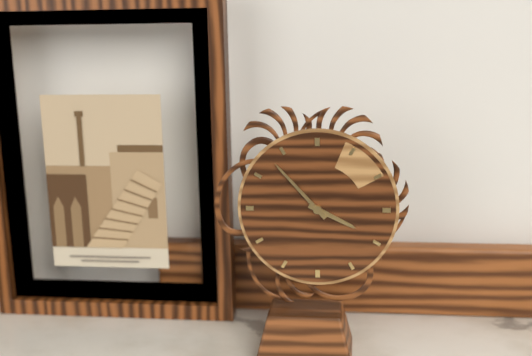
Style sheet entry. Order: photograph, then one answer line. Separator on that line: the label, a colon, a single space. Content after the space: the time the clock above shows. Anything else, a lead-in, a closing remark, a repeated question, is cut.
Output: 3:53
